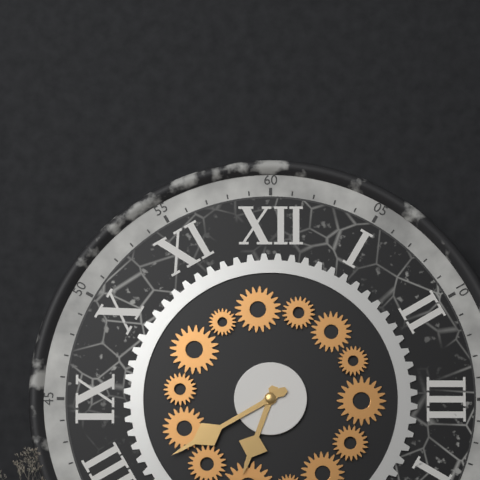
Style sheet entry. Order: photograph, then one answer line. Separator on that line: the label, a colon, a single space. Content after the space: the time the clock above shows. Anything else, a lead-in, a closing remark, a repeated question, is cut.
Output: 6:40
